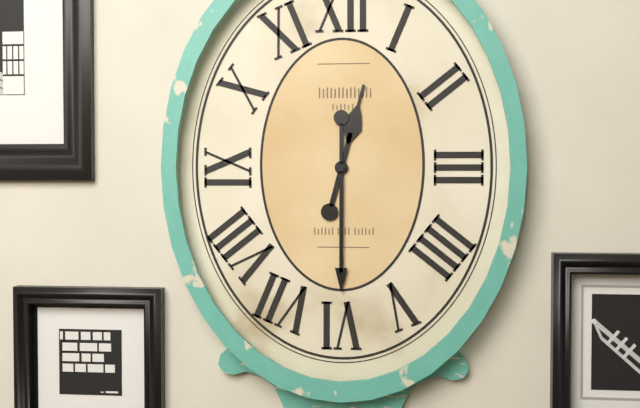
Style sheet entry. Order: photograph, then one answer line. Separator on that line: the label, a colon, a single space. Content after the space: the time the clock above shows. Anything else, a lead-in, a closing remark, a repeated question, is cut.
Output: 12:30
